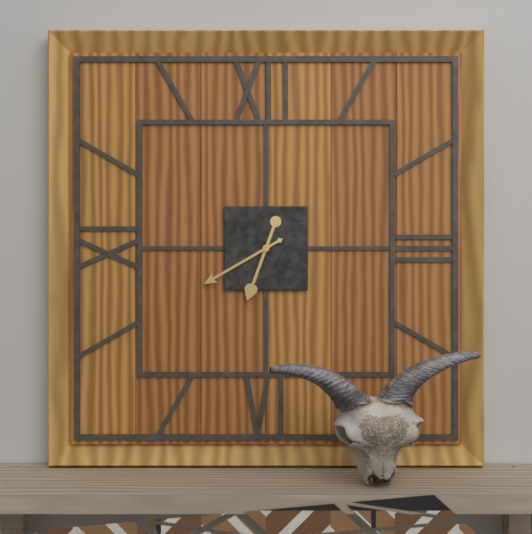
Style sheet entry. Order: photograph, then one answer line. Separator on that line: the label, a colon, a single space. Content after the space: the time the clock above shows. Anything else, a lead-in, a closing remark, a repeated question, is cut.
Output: 6:40
